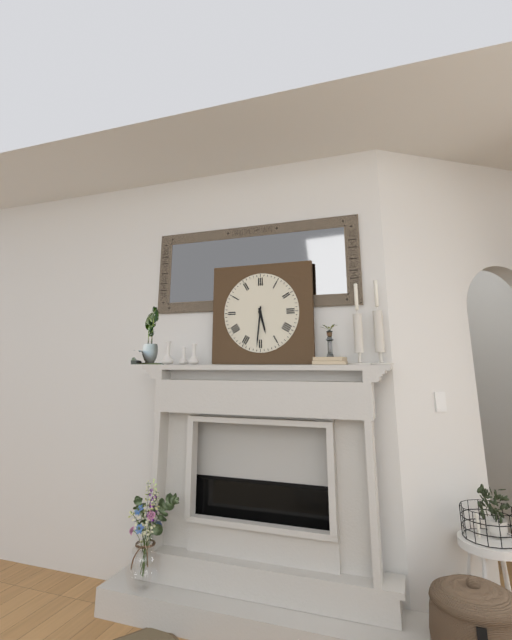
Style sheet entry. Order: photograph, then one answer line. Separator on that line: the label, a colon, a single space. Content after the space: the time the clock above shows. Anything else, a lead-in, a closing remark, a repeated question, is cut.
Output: 5:31
